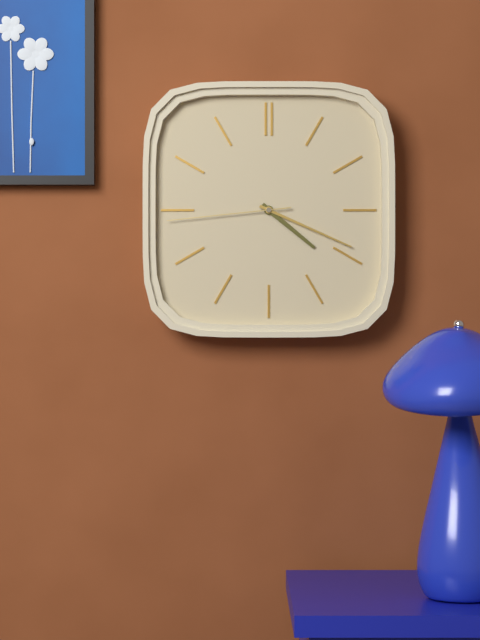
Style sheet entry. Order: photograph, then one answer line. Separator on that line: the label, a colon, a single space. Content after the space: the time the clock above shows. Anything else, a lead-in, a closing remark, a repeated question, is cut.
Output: 4:19:44
